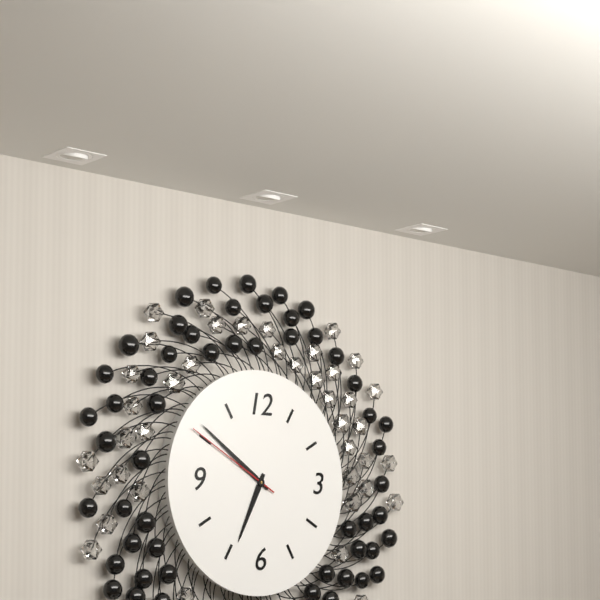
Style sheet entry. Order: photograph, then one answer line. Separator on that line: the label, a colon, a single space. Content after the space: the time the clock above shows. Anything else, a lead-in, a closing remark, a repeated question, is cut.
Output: 6:51:50
